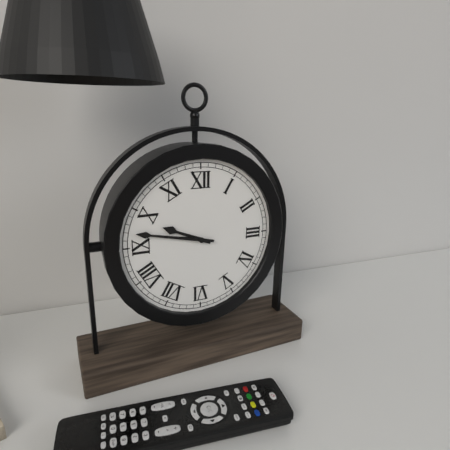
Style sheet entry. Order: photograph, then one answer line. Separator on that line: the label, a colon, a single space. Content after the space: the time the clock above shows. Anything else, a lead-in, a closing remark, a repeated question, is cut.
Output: 9:47
